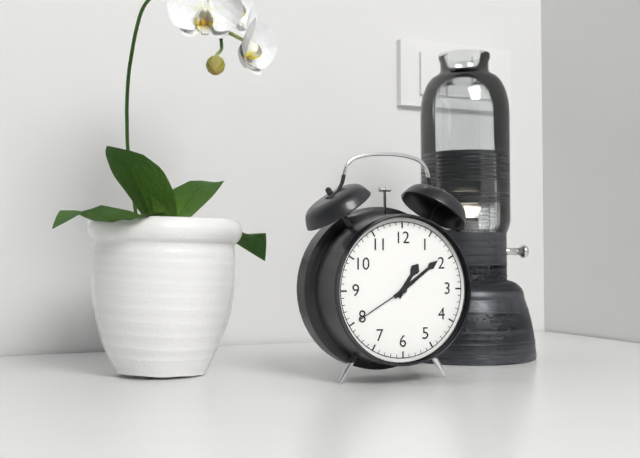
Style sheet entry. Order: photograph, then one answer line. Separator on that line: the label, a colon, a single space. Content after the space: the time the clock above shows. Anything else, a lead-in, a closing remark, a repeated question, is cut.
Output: 1:09:40
